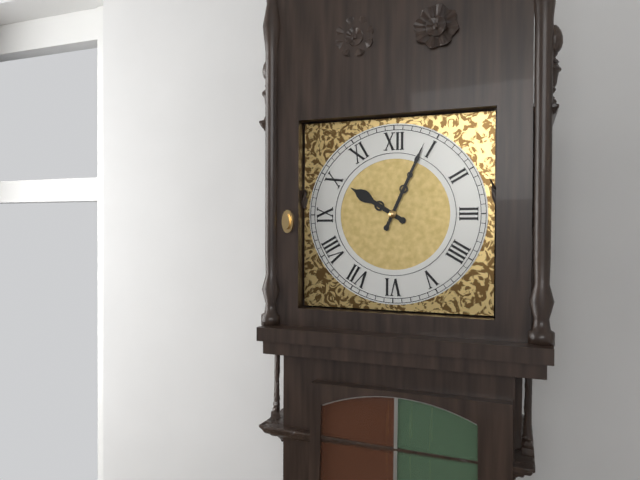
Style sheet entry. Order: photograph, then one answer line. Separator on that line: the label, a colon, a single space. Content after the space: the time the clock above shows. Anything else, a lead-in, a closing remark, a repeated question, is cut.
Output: 10:04
